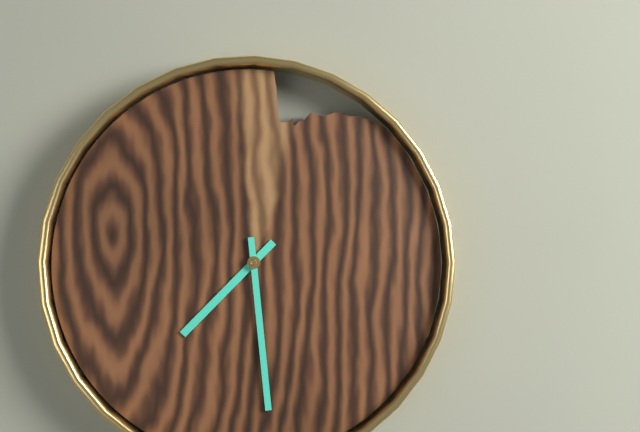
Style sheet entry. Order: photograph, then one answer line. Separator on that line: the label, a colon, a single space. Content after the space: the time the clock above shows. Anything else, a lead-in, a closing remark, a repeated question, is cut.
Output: 7:29
